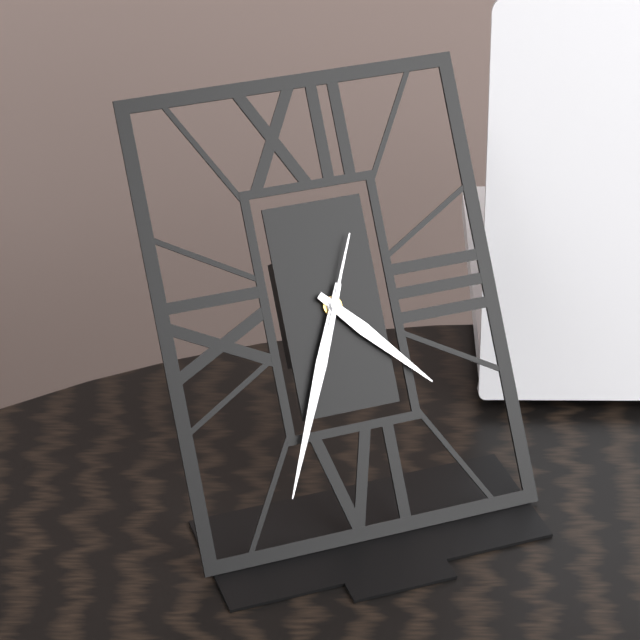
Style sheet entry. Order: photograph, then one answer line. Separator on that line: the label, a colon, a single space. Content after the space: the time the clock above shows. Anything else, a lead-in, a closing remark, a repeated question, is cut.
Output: 4:34:04
